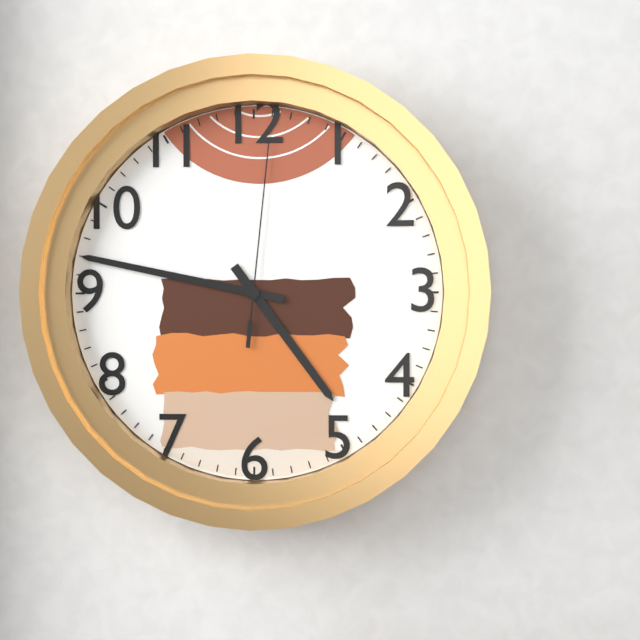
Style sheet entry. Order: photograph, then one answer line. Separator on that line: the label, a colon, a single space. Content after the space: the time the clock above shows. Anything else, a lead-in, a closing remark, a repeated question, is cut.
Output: 4:47:01
